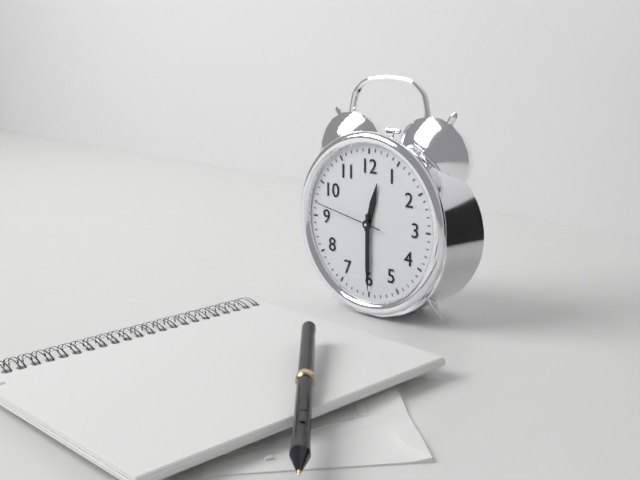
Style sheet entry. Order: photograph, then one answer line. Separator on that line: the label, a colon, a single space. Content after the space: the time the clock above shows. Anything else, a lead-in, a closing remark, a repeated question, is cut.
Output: 12:30:47
